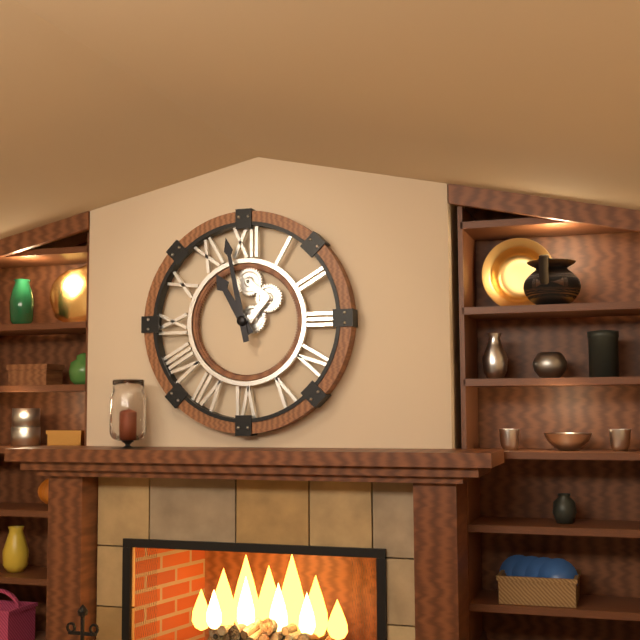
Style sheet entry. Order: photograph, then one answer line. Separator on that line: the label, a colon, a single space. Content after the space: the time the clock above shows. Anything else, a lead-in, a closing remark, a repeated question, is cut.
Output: 10:58
